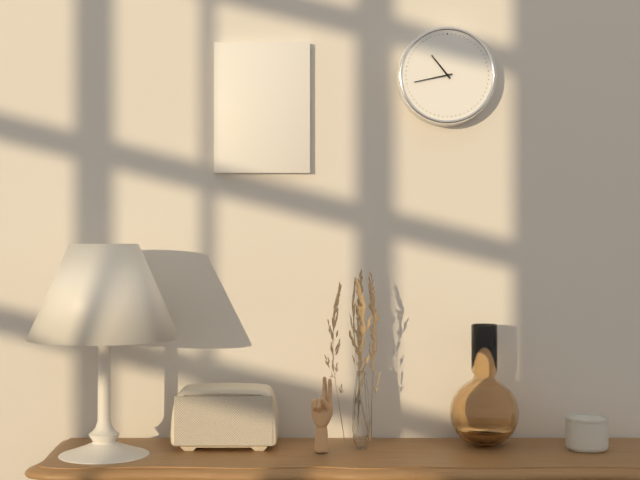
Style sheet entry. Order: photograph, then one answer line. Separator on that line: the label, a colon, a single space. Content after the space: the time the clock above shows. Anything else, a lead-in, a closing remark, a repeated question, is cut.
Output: 10:43
